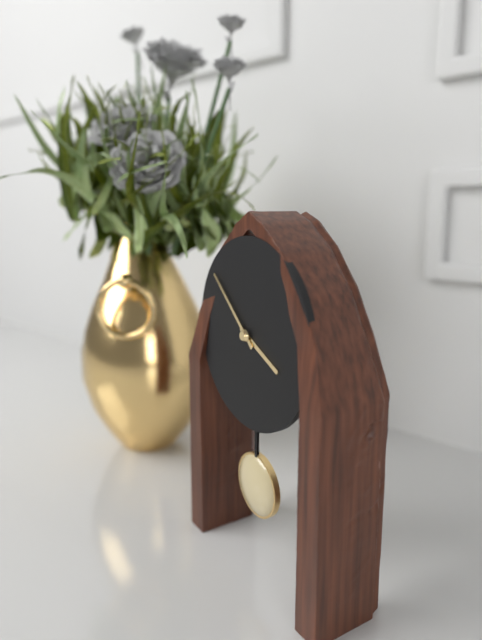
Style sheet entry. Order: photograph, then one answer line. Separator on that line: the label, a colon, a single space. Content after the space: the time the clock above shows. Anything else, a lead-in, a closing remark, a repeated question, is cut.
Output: 3:52
